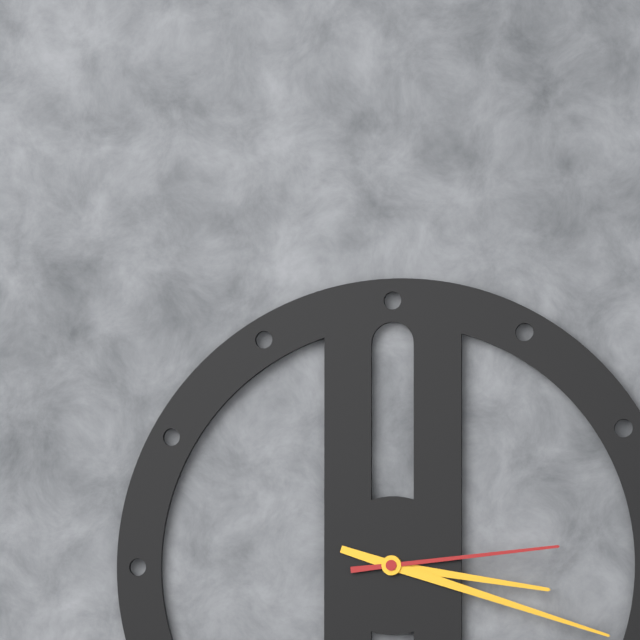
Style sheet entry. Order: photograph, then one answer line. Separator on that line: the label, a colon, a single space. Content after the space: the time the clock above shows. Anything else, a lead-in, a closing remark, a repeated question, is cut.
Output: 3:18:14
